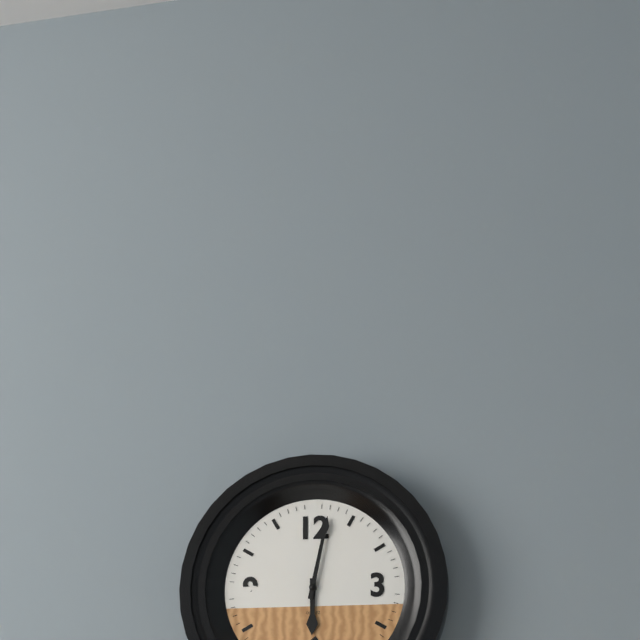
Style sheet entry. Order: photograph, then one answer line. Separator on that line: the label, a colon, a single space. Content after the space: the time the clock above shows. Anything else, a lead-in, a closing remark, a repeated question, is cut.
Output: 6:02
